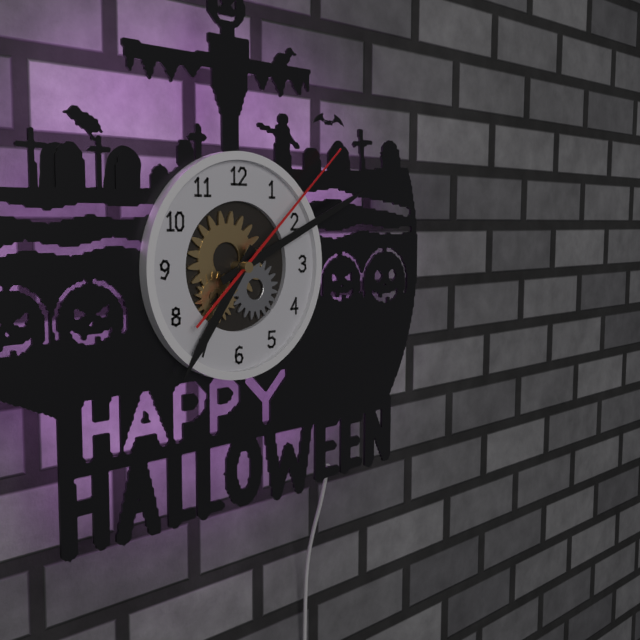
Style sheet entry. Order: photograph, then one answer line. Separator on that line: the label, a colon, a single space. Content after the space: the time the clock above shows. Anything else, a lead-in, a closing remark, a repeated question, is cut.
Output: 7:11:08
